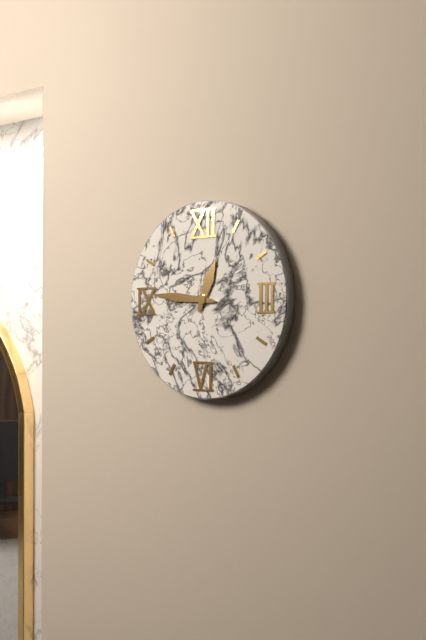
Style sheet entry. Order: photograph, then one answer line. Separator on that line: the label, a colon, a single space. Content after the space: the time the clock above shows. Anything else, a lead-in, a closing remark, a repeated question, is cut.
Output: 12:46
